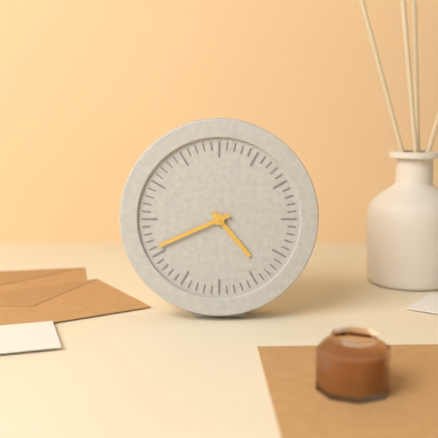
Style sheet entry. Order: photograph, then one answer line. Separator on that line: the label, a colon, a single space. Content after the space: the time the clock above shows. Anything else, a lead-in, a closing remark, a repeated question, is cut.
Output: 4:41
